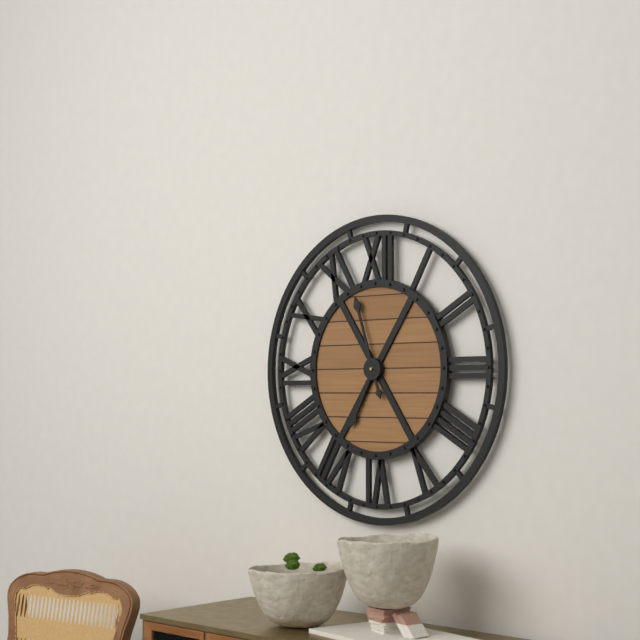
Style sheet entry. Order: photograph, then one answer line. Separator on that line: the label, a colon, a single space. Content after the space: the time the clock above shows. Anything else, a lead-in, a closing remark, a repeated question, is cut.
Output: 6:57
